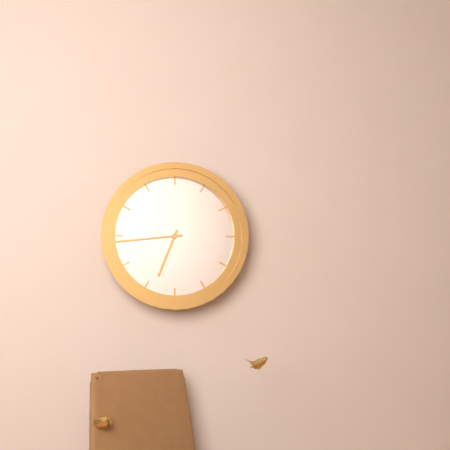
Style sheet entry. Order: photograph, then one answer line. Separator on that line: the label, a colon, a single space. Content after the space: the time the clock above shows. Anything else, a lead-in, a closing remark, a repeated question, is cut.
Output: 6:44
